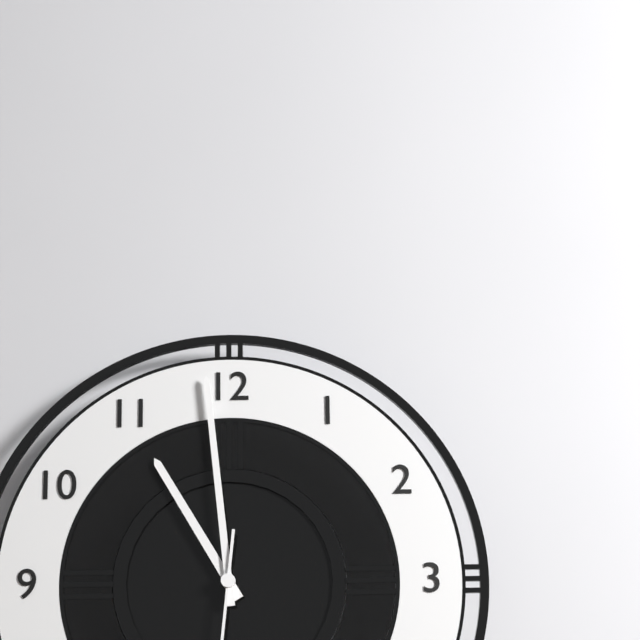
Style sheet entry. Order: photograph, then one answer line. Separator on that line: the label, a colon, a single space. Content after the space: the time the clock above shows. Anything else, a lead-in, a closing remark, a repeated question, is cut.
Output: 10:59
